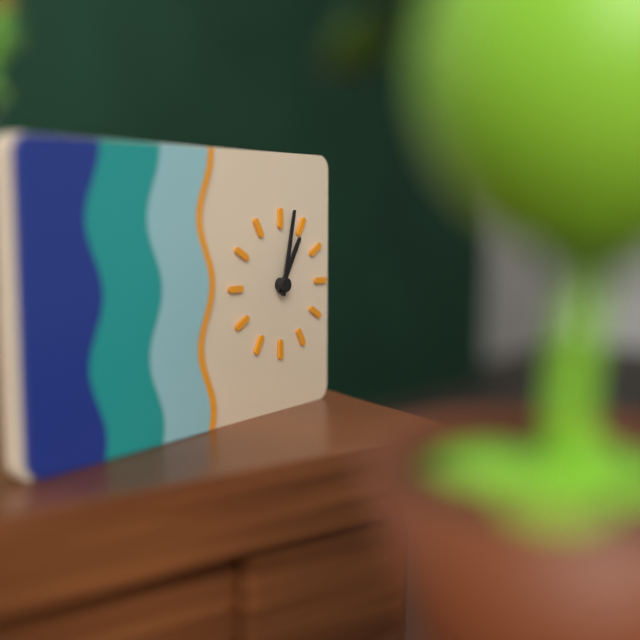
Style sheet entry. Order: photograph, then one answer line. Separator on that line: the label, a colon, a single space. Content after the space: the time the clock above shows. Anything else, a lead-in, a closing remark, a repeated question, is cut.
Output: 1:02
